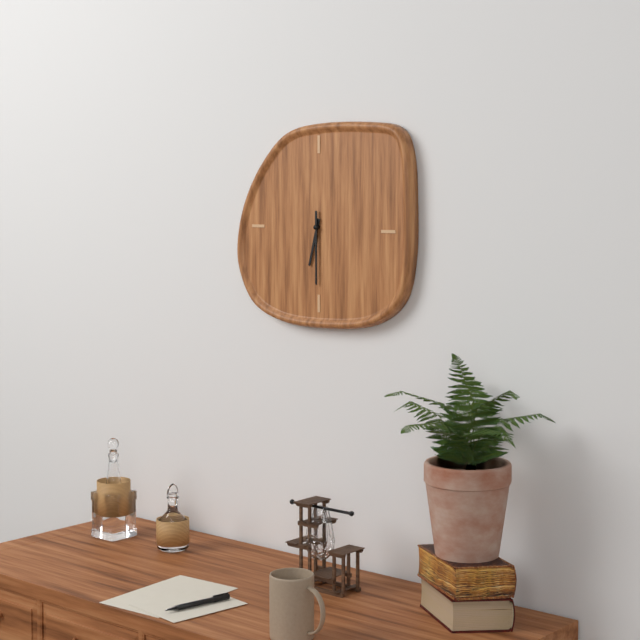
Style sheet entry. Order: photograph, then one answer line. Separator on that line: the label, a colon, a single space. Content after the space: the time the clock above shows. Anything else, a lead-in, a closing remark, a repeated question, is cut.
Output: 6:30
